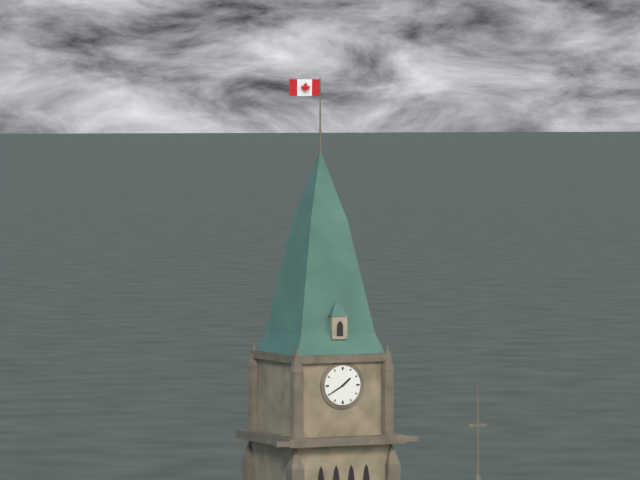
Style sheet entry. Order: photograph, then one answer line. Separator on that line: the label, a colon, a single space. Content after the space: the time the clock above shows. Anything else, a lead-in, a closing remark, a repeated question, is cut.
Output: 1:40
